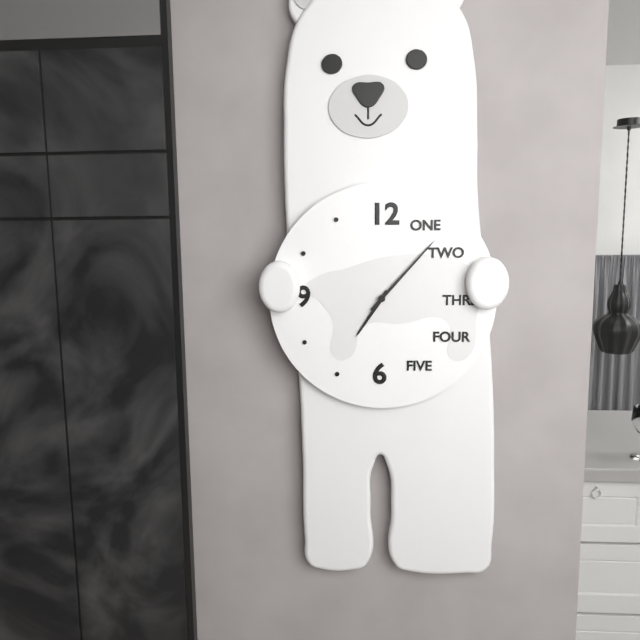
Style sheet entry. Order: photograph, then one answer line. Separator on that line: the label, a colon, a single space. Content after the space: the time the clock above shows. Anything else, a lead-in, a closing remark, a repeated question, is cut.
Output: 7:07
